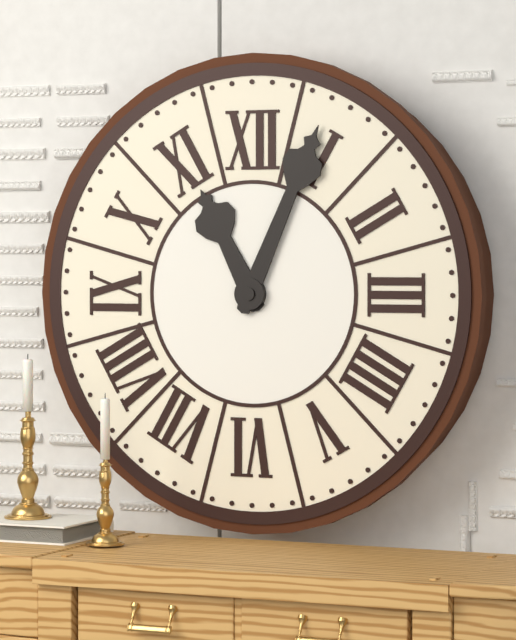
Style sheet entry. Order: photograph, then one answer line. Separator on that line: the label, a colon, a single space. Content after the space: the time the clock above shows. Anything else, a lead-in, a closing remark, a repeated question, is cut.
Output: 11:04
